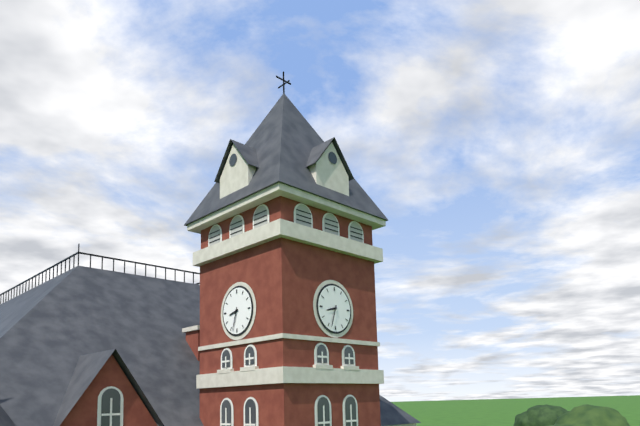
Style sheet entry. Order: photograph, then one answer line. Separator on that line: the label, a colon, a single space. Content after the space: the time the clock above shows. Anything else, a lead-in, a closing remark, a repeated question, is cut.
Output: 8:33
